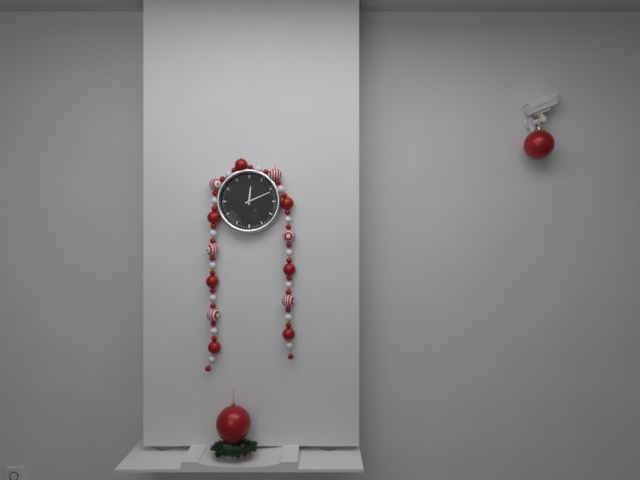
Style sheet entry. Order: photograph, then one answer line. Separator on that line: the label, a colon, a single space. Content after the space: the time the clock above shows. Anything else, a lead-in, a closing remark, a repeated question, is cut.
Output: 12:11
